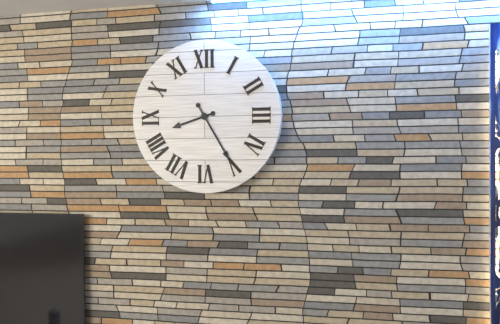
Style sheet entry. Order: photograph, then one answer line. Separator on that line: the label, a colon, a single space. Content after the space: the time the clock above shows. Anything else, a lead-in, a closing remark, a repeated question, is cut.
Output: 8:25
